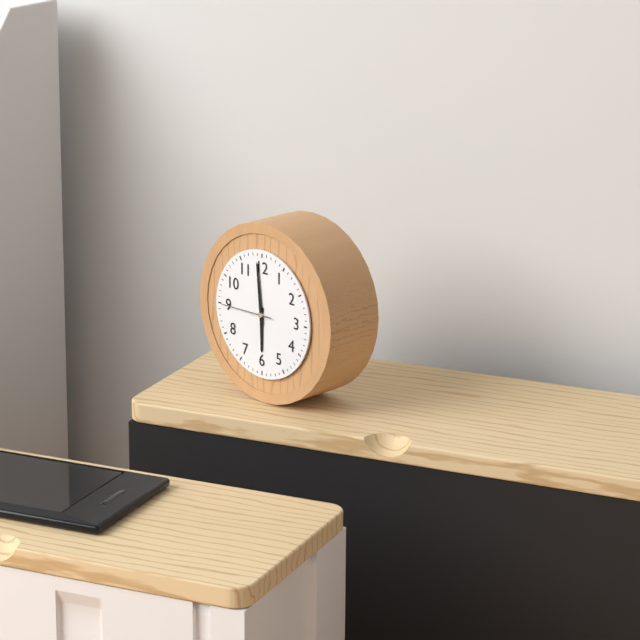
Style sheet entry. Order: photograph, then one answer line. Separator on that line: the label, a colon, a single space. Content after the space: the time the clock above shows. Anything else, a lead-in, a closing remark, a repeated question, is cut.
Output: 5:59:45
